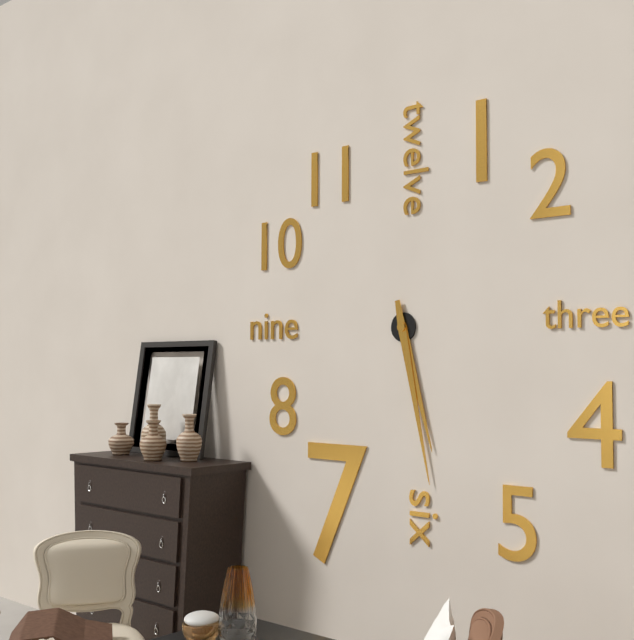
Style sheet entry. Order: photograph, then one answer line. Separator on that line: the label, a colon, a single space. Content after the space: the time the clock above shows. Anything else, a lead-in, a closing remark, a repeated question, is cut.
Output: 5:28
